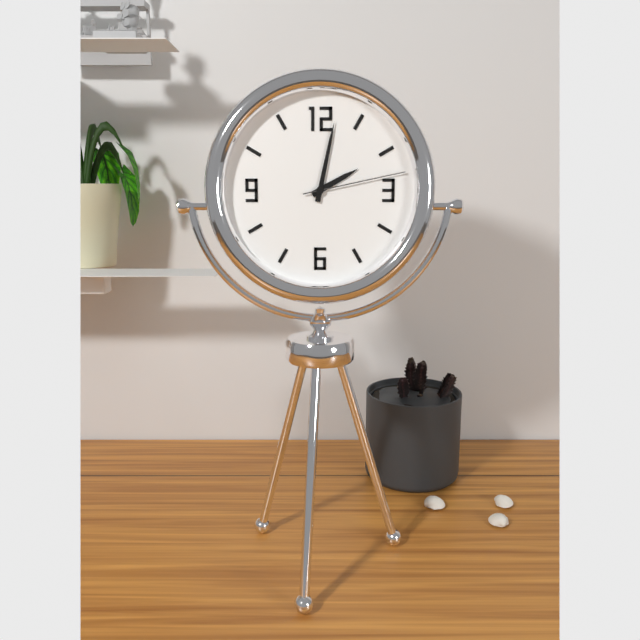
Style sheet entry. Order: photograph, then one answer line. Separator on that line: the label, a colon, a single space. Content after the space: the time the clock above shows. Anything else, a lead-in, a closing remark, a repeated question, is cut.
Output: 2:02:13
